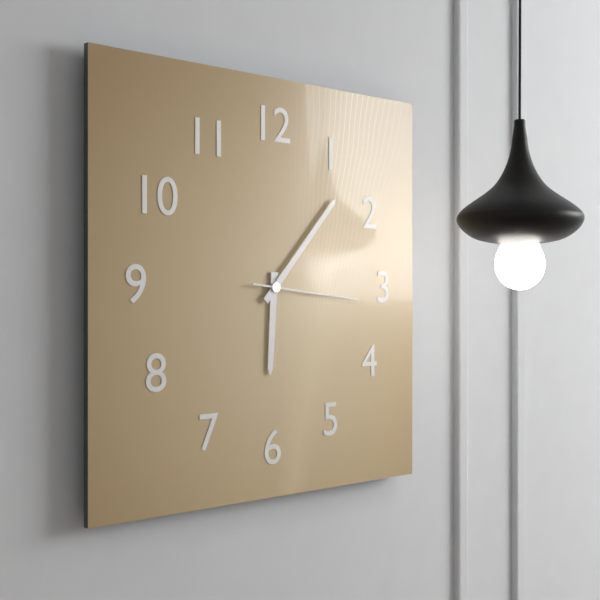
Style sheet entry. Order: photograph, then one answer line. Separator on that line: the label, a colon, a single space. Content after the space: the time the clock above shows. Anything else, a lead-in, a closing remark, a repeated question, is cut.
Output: 6:07:16
